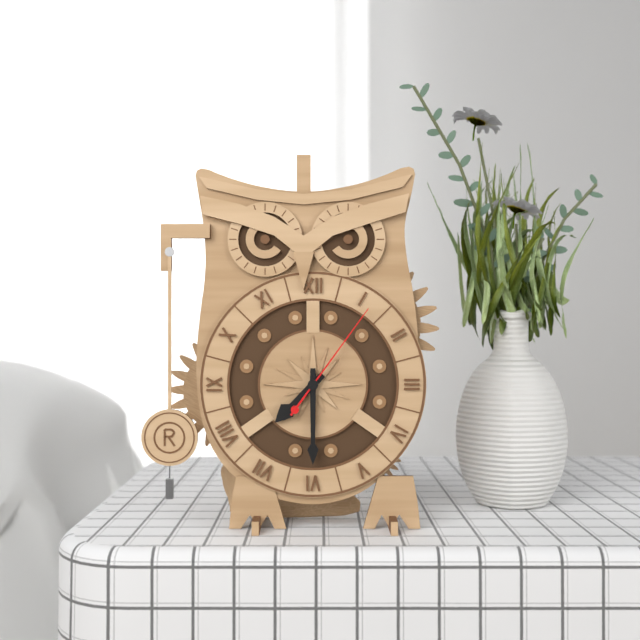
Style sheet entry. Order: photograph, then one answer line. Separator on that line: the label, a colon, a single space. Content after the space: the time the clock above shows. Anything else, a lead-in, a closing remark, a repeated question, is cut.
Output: 7:30:06
